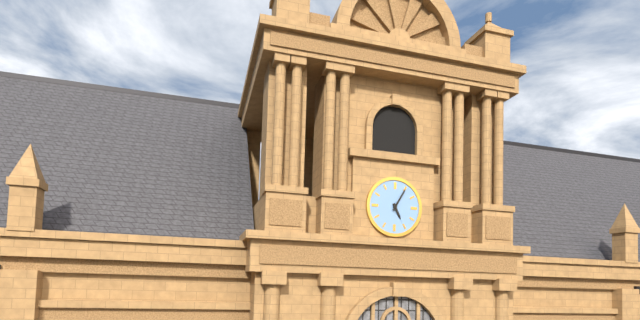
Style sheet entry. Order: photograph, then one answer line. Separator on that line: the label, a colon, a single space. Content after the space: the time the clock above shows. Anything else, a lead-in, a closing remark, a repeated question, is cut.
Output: 5:05
